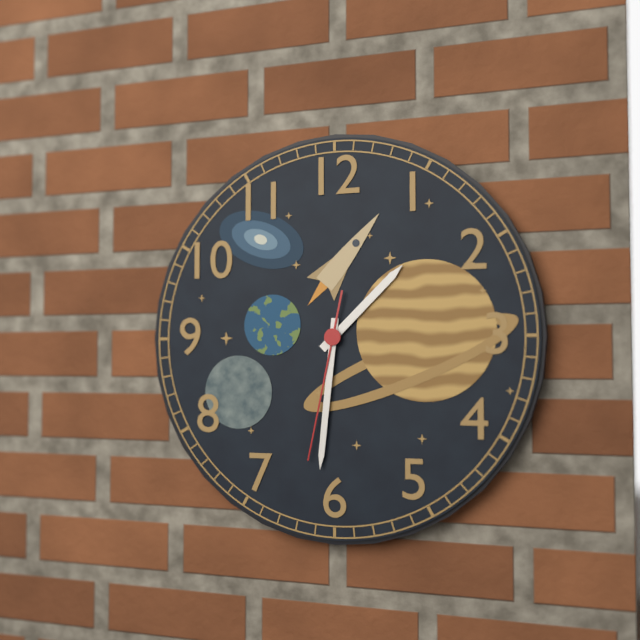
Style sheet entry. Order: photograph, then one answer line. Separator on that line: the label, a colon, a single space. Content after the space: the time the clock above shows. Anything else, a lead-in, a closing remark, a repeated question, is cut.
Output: 1:31:32
